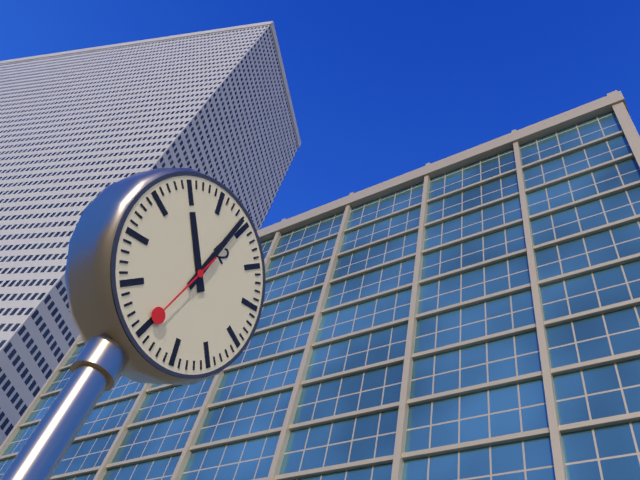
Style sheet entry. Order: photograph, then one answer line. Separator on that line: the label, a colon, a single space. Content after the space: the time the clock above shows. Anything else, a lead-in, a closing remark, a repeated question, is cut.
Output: 9:59:30
